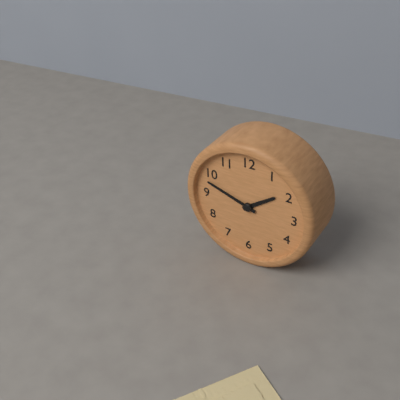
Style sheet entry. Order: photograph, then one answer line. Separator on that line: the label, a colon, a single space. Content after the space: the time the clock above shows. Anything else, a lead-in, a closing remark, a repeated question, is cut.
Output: 1:48
